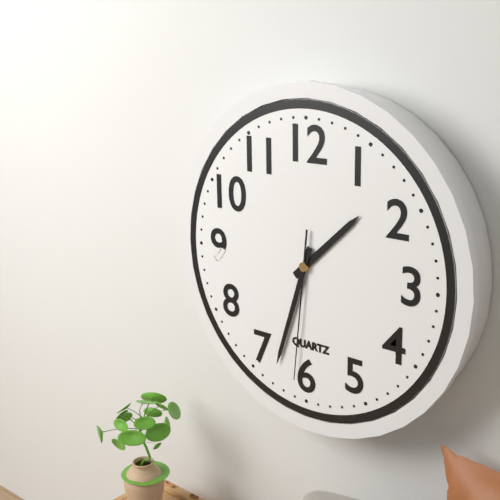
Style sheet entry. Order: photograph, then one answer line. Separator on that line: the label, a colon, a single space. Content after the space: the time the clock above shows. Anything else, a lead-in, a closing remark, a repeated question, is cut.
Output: 1:33:31
